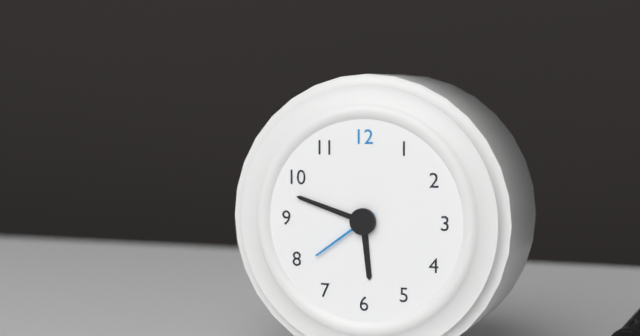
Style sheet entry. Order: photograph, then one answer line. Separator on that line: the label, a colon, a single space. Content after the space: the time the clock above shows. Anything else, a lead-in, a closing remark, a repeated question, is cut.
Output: 5:48:39
